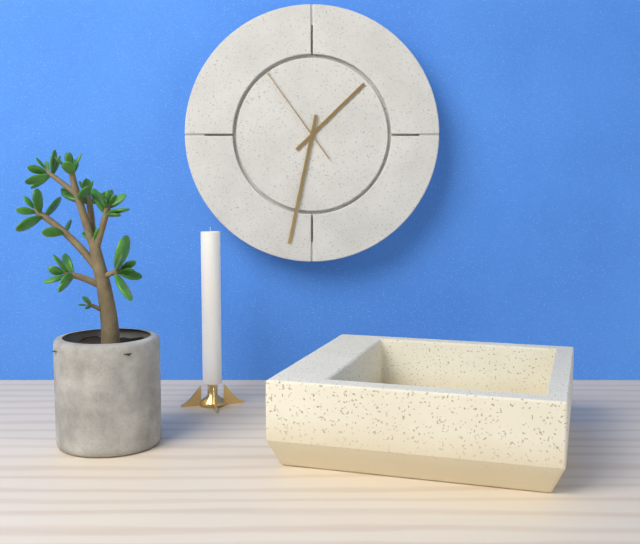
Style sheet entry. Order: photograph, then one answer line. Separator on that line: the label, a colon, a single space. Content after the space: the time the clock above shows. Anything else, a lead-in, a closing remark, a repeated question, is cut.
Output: 1:32:54
